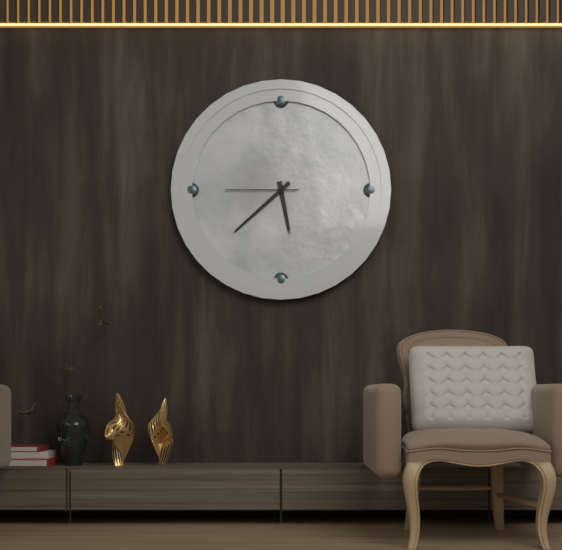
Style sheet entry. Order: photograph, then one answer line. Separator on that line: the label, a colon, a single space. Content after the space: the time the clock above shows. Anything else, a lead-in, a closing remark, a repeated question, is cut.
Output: 5:38:45
